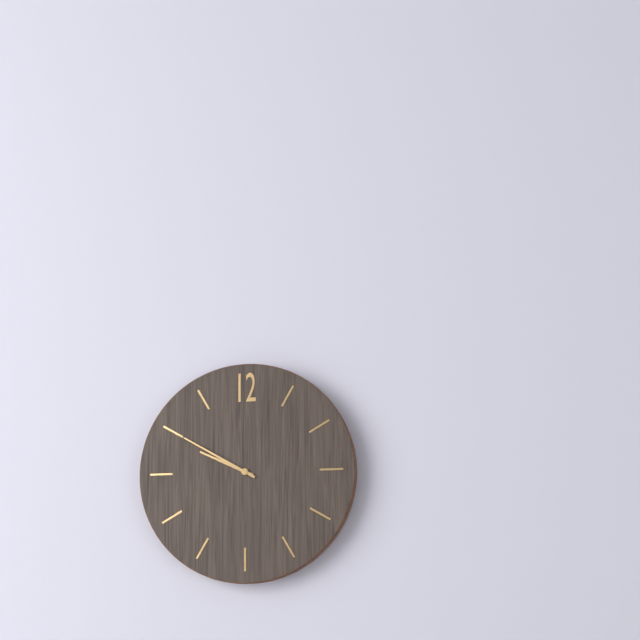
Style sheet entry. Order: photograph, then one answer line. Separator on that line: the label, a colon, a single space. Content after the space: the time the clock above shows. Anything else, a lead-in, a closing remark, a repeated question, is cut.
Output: 9:50
